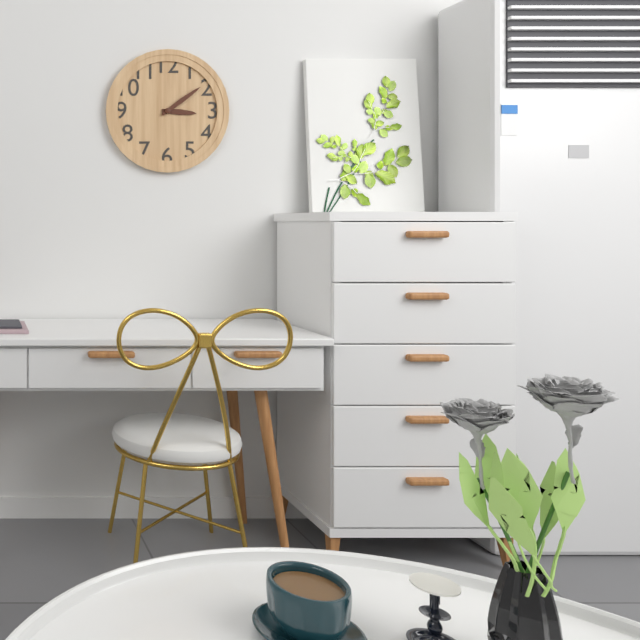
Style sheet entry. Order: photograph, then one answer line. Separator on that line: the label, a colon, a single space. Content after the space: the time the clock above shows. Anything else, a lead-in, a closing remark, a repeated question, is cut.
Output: 3:09
